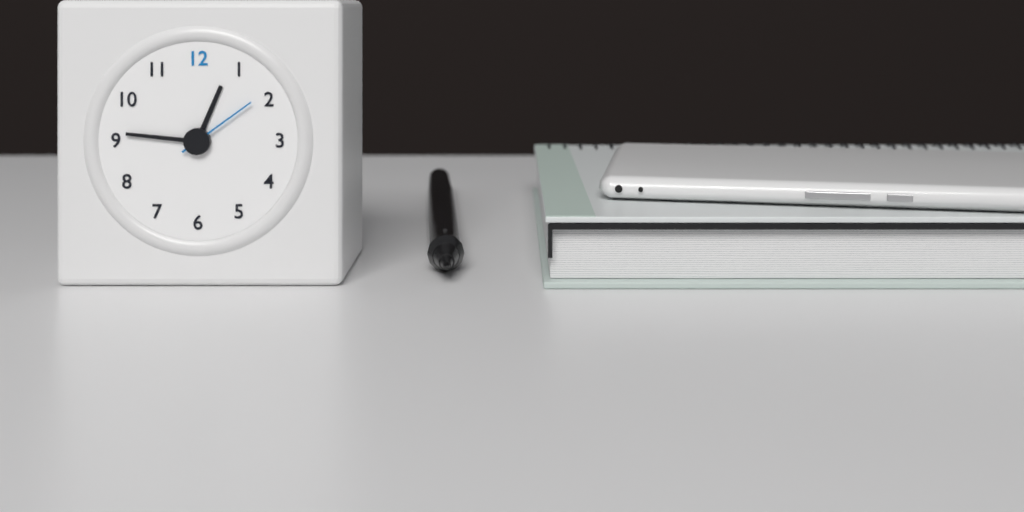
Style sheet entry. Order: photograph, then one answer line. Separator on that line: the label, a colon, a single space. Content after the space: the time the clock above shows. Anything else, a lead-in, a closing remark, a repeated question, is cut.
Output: 12:46:09
